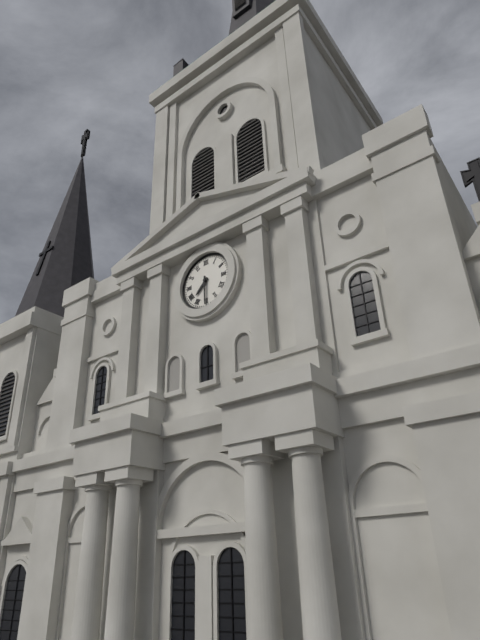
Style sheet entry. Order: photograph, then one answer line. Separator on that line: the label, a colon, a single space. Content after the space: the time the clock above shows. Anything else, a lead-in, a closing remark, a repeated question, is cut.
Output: 7:30
